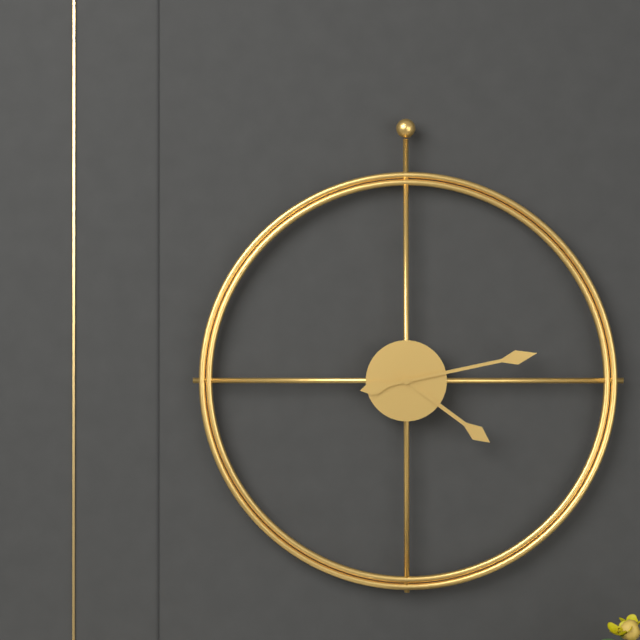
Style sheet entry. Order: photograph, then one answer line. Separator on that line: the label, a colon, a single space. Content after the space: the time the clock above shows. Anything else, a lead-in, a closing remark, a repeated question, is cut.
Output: 4:13
